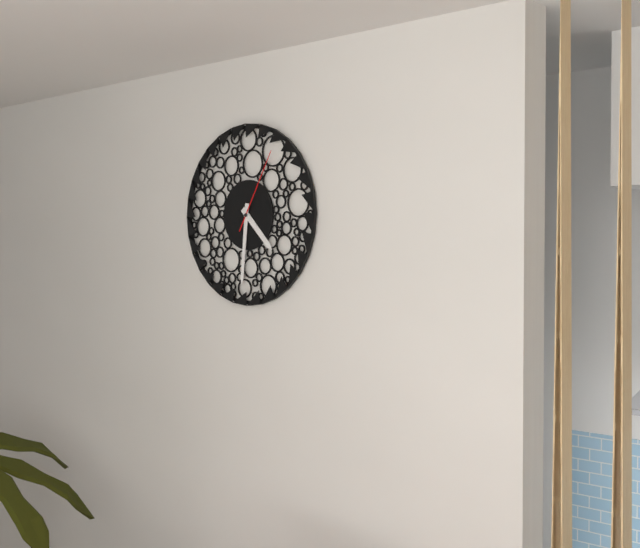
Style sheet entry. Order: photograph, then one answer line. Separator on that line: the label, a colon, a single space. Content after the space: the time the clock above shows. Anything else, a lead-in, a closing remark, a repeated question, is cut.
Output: 4:31:05
